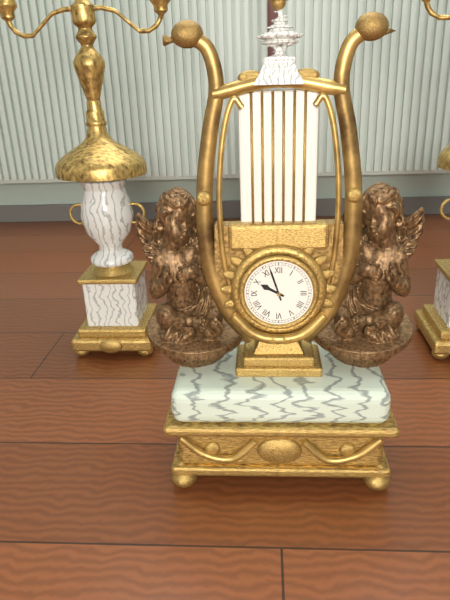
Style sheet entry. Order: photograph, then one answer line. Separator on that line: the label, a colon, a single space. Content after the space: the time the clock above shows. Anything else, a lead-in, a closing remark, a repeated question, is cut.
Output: 9:57
